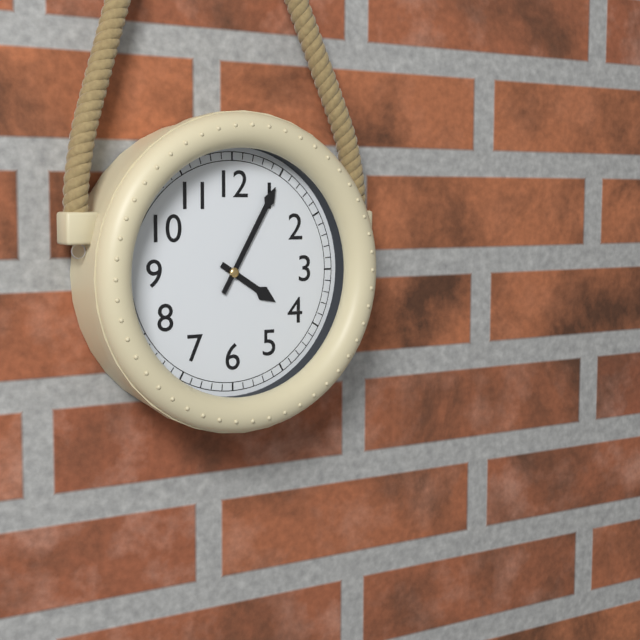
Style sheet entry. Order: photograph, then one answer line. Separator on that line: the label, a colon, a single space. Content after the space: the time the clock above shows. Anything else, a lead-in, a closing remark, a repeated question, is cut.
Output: 4:05
